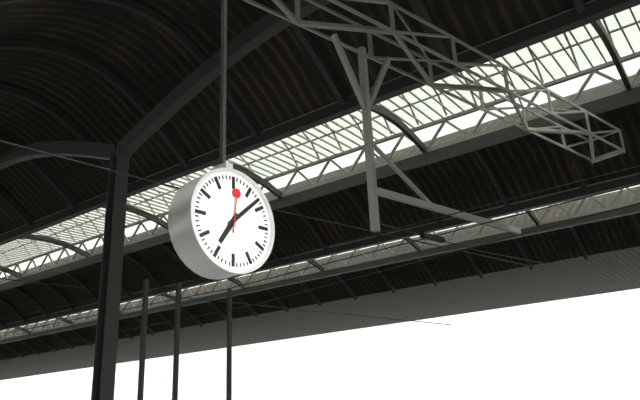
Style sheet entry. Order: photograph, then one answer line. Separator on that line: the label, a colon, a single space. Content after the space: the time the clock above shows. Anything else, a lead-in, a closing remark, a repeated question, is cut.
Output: 7:08
